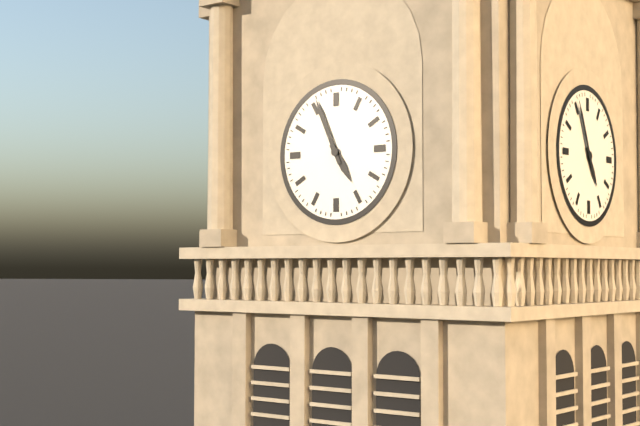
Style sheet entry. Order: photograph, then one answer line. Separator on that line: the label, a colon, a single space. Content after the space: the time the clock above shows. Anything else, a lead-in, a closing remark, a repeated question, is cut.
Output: 4:56
